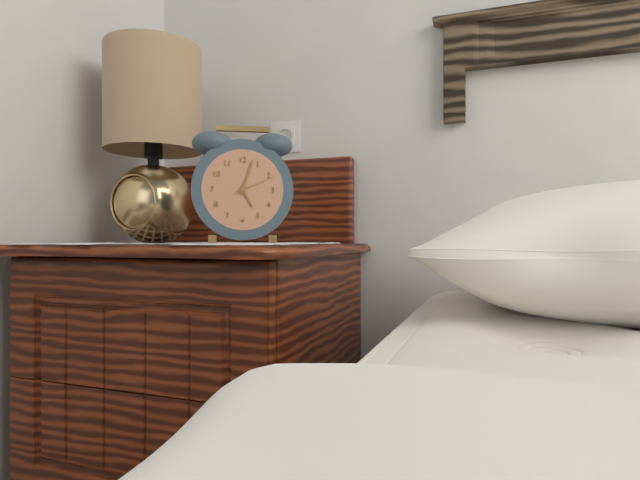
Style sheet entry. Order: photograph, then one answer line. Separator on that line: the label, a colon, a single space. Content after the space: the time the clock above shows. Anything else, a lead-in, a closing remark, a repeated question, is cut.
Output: 5:03
